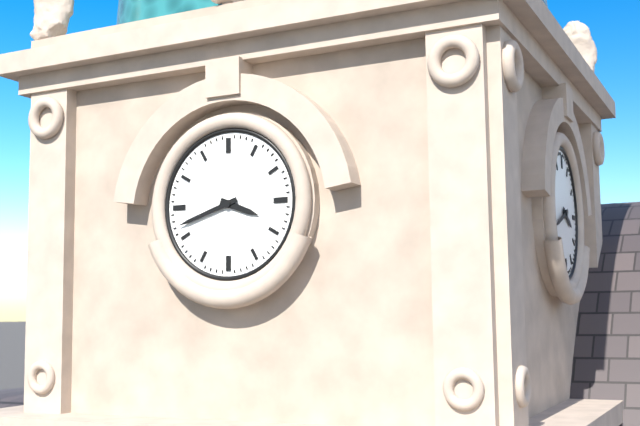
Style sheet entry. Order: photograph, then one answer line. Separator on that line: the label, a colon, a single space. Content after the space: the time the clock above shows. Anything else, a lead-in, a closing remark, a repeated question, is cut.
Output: 3:42
